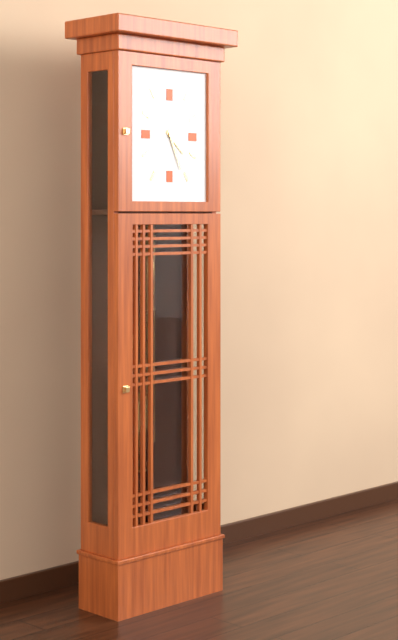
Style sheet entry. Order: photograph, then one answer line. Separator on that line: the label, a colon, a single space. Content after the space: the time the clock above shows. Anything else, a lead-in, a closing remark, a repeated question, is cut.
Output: 4:26
